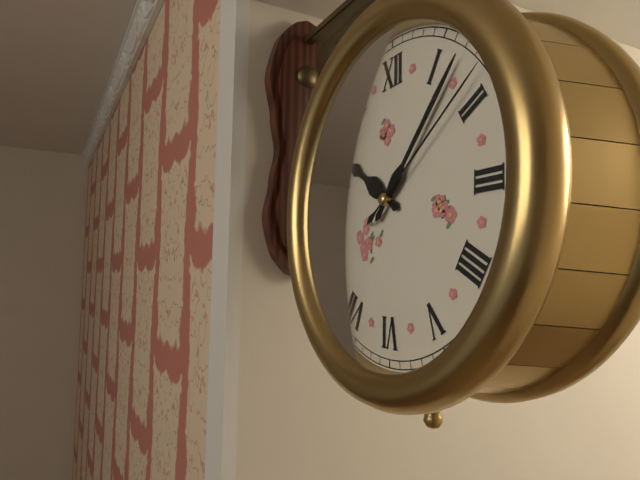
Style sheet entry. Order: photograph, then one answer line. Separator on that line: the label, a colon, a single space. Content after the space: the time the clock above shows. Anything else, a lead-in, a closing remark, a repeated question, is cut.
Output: 10:07:09
